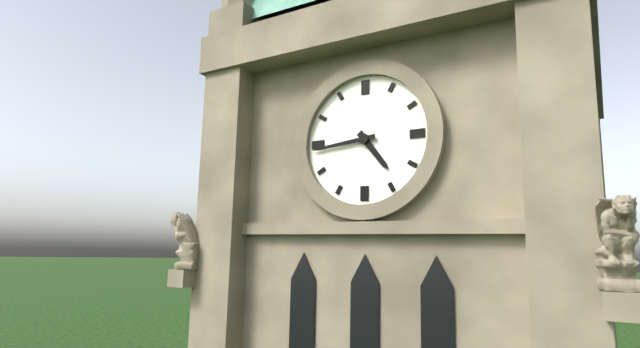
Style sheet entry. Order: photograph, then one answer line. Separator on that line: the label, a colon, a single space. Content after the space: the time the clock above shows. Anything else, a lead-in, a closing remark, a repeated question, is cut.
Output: 4:44
